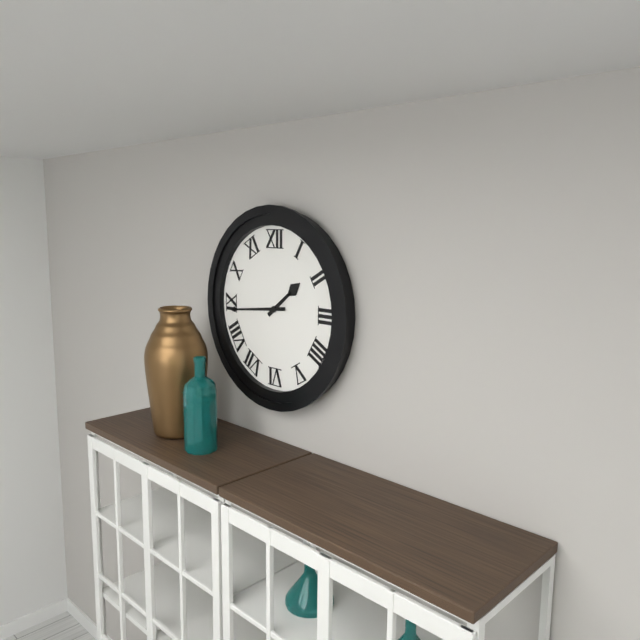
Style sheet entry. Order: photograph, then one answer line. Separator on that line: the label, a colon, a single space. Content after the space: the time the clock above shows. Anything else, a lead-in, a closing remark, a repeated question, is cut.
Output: 1:44
